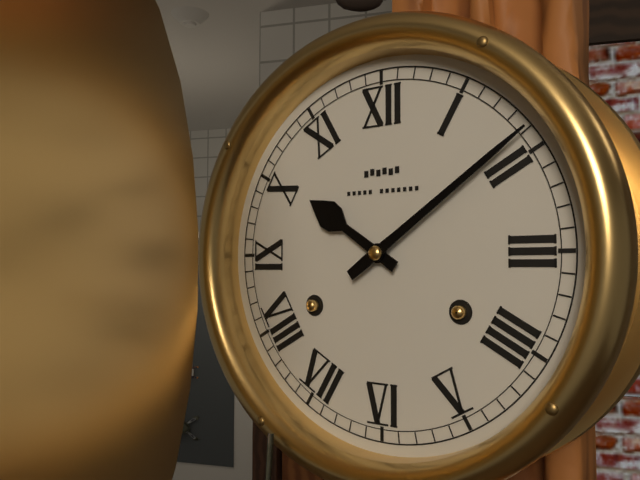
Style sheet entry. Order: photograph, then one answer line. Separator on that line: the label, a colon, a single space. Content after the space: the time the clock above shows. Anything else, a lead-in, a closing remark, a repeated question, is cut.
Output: 10:09
